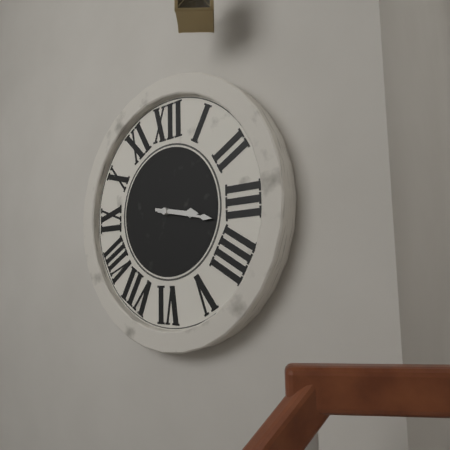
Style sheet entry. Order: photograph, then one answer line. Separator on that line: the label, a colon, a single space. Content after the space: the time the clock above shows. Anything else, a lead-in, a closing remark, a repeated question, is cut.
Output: 3:17
